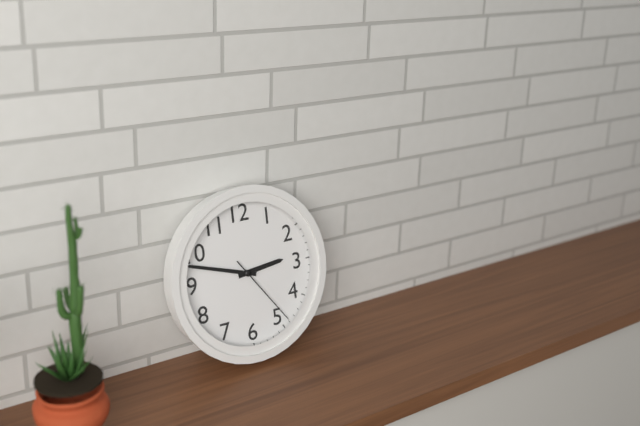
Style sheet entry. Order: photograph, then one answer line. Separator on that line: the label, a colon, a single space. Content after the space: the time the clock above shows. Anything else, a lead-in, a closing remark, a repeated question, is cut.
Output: 2:48:24
